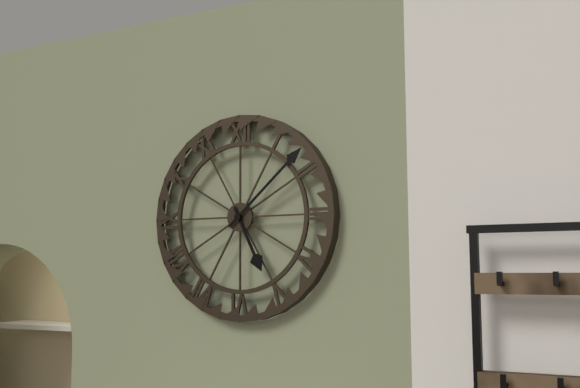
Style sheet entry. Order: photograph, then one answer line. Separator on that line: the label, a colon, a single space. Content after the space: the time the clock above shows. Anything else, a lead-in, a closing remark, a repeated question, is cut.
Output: 5:08
